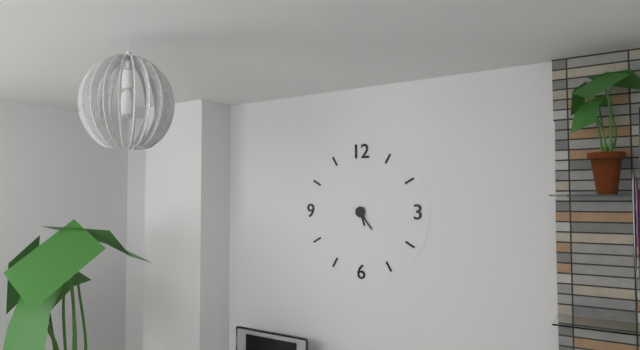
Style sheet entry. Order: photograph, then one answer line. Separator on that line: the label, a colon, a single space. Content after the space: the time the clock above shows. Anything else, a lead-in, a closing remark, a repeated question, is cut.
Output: 5:24
